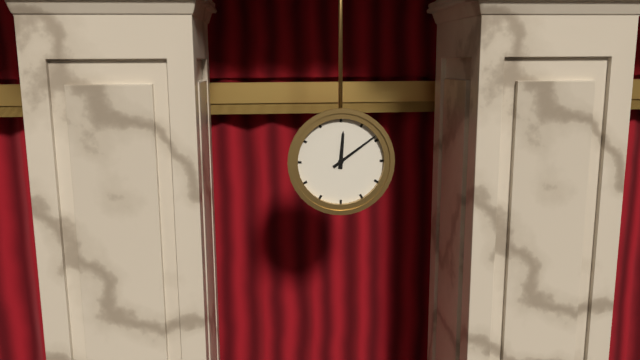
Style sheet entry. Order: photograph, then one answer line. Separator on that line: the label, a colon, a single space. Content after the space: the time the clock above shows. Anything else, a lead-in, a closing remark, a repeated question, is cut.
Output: 12:09
